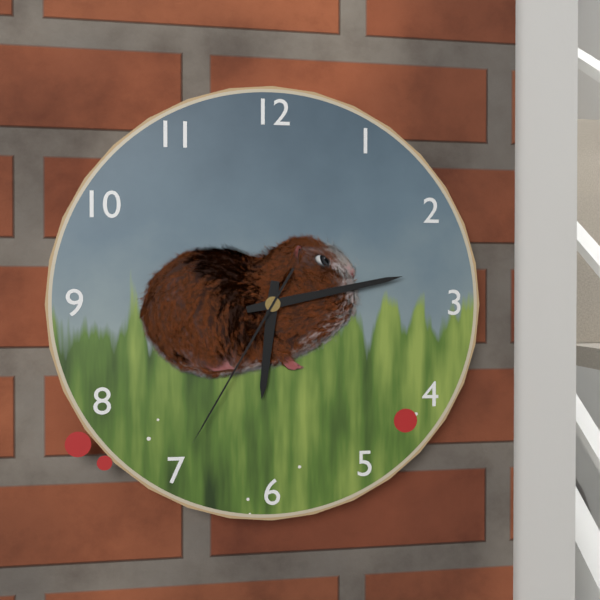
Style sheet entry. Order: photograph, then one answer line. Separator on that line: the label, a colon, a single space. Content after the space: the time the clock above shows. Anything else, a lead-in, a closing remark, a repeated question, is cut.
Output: 6:13:35
